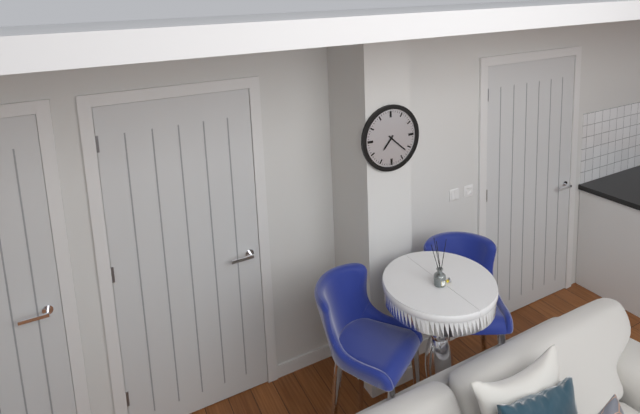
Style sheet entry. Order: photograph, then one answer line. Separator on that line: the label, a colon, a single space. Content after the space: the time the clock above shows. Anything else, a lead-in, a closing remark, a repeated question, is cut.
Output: 7:22
